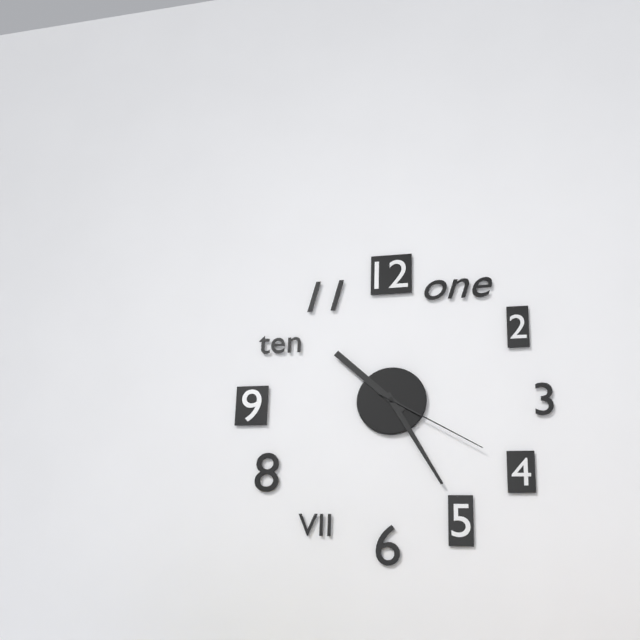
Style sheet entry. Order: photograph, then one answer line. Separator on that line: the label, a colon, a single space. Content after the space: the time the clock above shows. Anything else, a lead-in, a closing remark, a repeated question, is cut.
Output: 10:25:20
